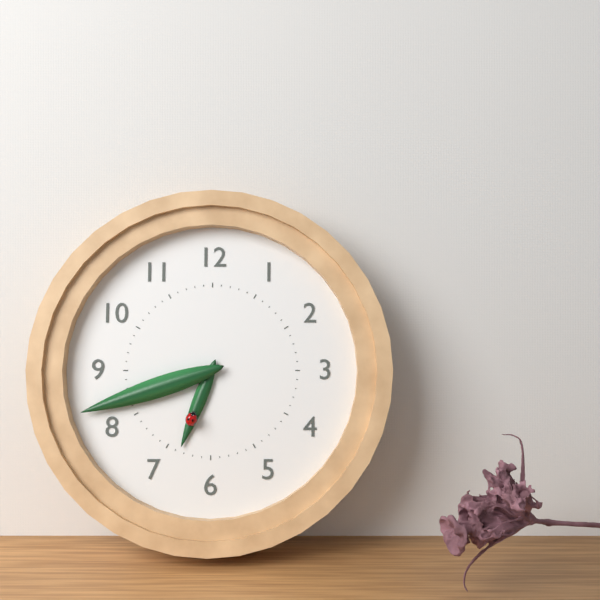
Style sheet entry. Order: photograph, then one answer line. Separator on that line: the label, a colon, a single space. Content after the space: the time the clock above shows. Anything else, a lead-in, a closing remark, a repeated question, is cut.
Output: 6:42
